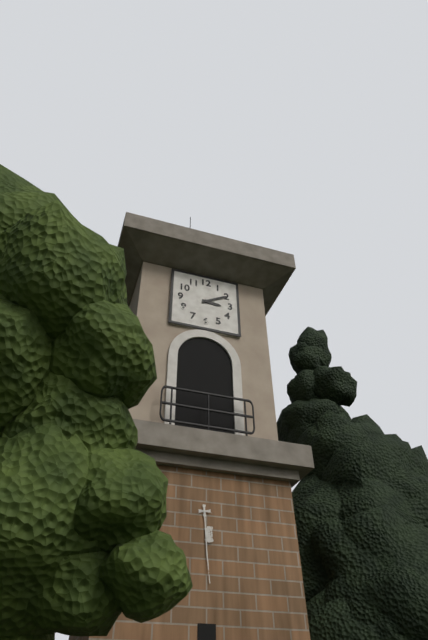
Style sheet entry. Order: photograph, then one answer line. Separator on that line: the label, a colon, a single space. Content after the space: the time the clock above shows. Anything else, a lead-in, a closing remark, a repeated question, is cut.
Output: 3:10
